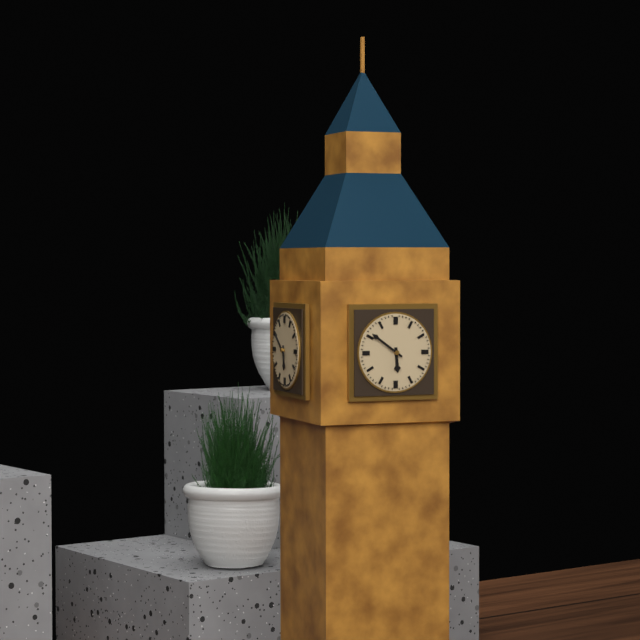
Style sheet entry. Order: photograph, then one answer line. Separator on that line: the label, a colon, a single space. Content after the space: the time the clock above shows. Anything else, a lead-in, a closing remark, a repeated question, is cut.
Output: 5:51
